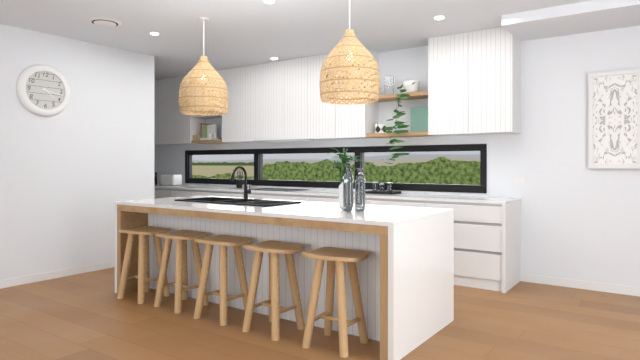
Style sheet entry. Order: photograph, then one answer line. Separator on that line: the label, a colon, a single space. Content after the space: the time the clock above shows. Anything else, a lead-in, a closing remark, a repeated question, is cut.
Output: 4:17
